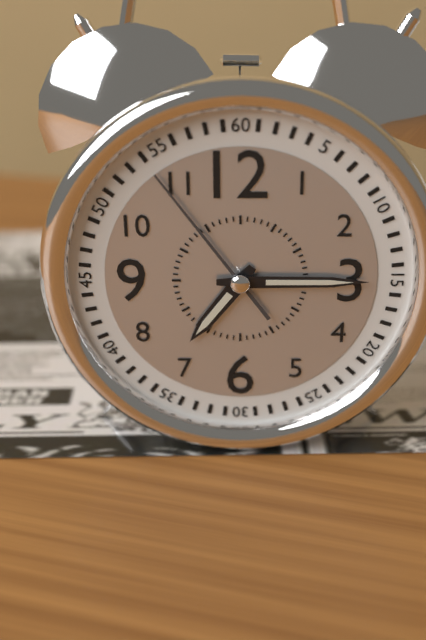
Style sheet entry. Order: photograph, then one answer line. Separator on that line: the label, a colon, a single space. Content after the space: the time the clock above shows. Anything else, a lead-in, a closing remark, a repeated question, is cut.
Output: 7:15:54
